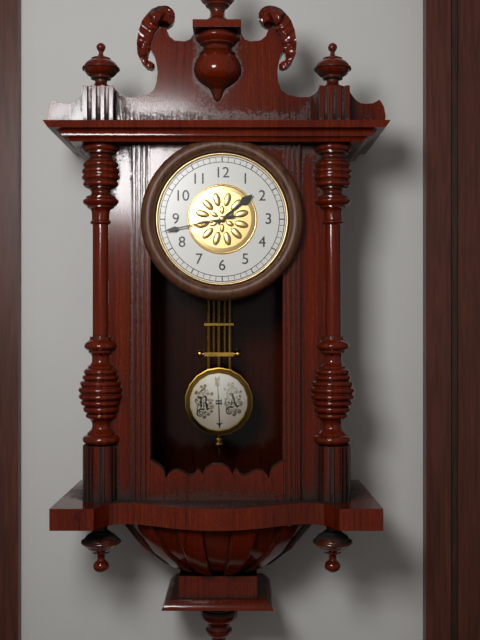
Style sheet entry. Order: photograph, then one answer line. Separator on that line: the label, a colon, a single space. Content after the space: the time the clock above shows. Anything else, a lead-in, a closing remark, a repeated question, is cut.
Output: 1:43
